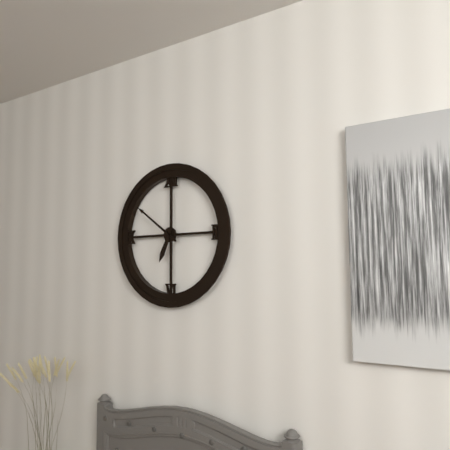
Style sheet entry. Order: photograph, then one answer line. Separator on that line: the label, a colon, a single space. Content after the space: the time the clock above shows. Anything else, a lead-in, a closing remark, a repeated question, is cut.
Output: 6:51
